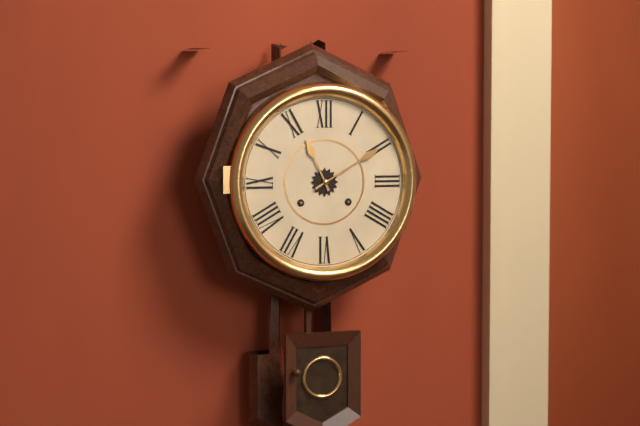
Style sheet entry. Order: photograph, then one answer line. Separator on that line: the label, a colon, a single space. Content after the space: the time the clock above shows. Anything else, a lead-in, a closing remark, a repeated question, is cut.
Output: 11:10
